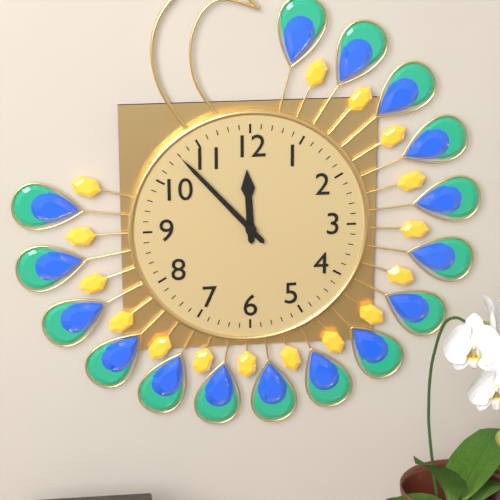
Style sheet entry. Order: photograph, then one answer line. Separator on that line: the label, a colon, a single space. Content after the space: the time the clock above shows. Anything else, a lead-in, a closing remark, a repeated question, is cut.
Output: 11:53
